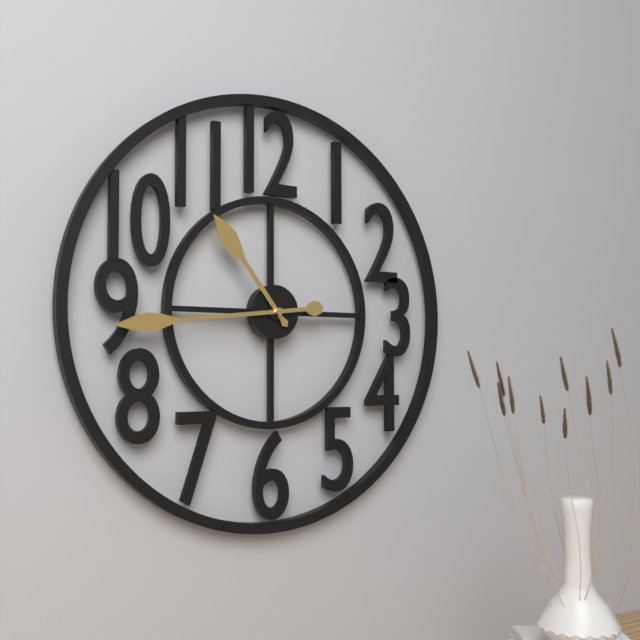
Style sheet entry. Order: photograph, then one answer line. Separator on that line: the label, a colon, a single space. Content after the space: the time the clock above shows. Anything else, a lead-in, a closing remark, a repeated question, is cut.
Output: 10:44
